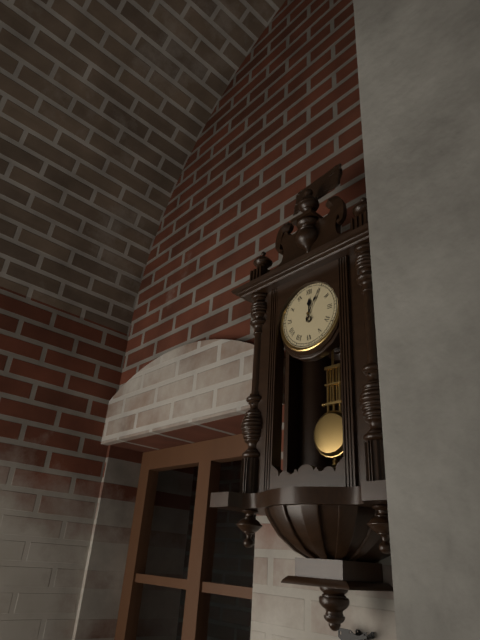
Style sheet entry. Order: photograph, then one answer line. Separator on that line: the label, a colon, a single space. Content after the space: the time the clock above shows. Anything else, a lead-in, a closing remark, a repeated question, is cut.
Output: 12:05
